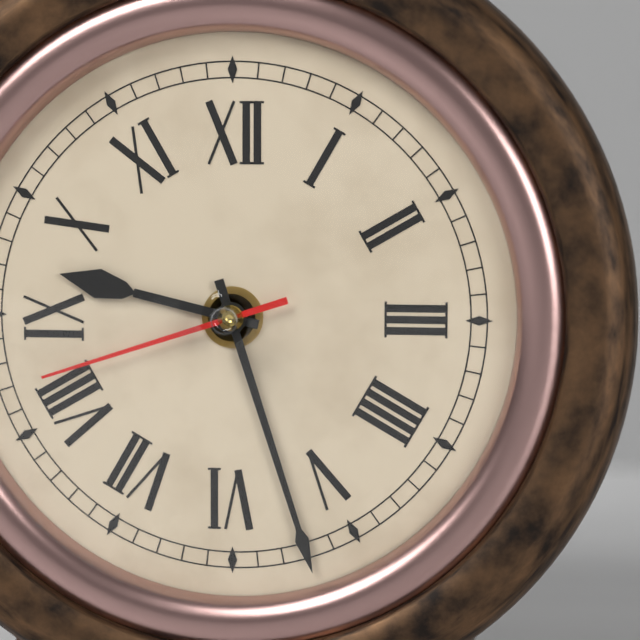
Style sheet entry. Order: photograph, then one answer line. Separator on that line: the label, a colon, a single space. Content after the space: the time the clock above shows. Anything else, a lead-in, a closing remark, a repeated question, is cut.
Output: 9:27:42
